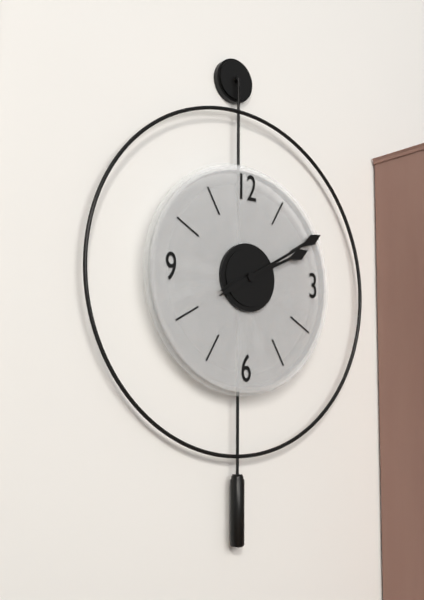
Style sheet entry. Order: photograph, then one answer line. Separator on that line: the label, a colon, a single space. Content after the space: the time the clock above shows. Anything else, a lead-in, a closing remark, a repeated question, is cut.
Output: 2:10
